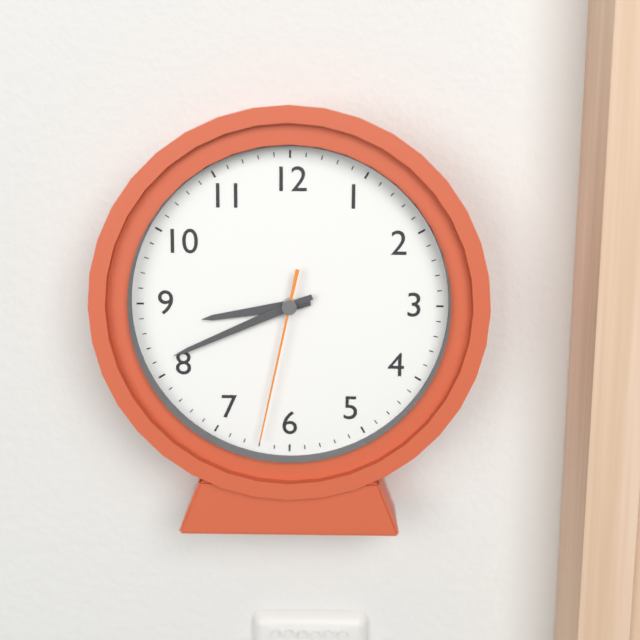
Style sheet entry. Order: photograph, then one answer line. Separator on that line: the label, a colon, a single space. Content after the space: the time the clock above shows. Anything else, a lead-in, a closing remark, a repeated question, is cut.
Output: 8:41:32
